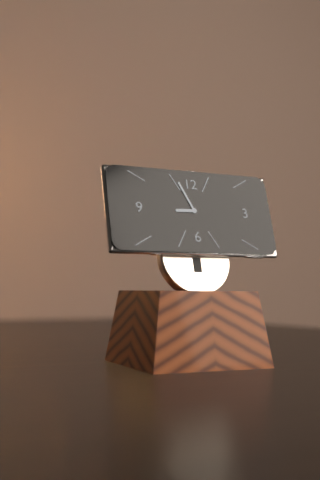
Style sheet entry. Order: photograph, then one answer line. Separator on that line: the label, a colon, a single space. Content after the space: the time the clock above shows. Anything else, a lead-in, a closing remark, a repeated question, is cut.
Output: 8:56
